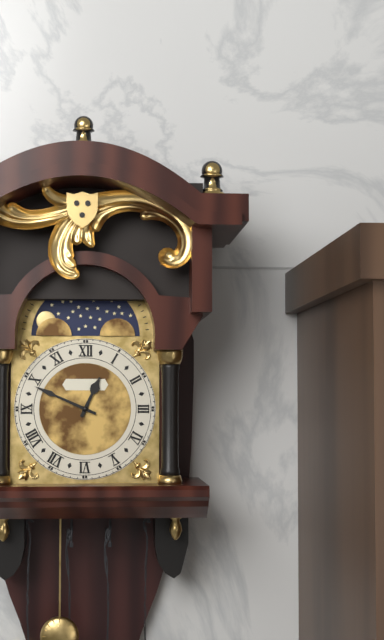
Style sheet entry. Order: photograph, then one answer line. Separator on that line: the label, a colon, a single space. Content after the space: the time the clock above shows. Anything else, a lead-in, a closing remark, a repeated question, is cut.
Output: 12:49
